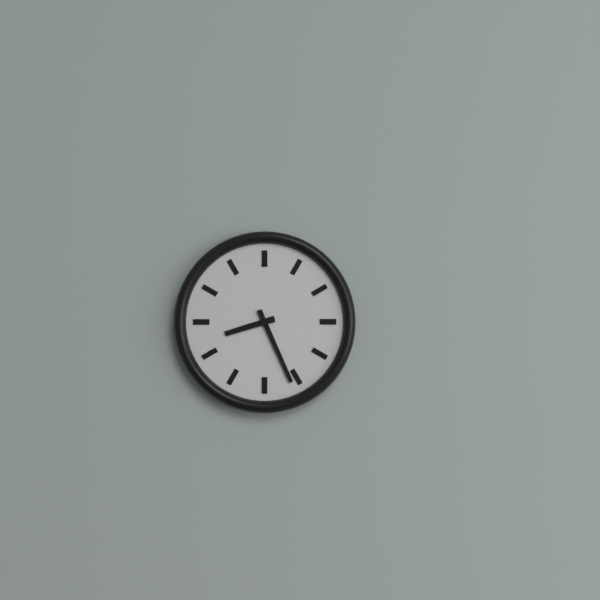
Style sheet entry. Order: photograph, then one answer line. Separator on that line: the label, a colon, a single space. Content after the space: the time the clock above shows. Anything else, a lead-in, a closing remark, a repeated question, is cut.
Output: 8:26
